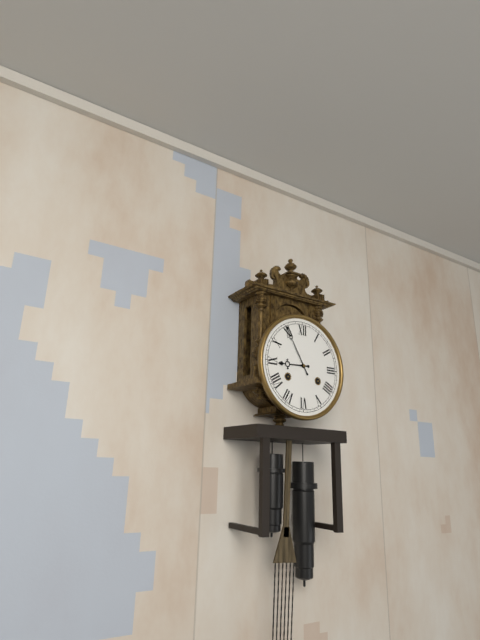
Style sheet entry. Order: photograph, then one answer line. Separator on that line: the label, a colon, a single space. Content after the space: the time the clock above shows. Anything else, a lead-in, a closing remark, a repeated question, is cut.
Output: 8:55
